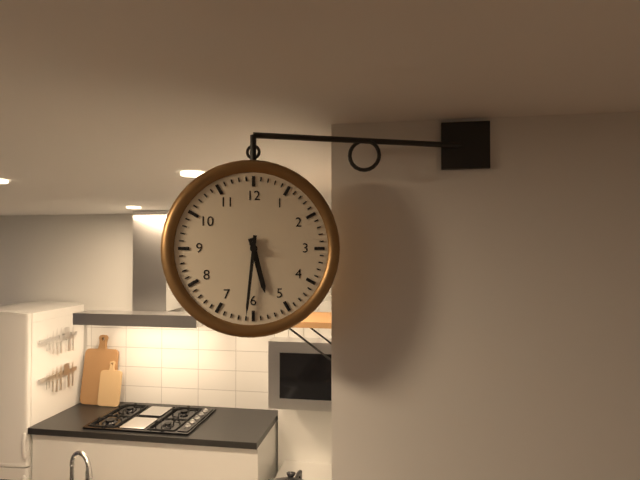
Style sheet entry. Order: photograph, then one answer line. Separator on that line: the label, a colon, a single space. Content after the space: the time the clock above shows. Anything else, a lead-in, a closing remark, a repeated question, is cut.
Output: 5:31
